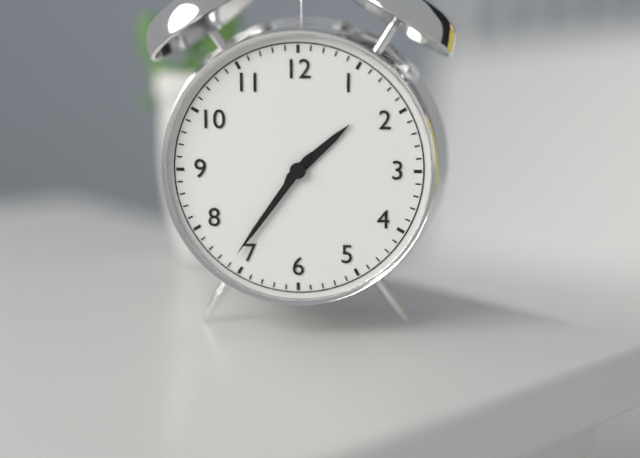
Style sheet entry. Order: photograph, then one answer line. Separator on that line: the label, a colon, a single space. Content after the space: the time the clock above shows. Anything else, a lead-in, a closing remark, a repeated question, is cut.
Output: 1:36
